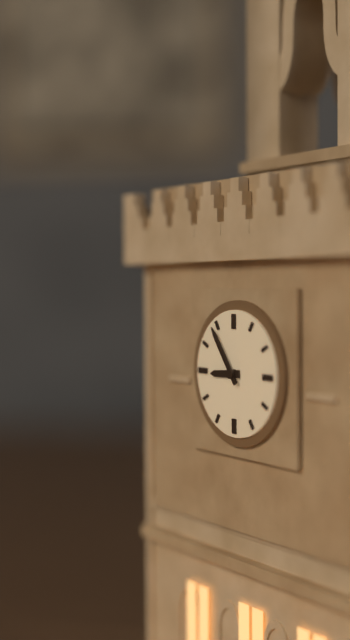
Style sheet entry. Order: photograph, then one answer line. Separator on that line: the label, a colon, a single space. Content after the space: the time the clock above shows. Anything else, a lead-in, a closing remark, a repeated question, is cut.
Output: 8:54
